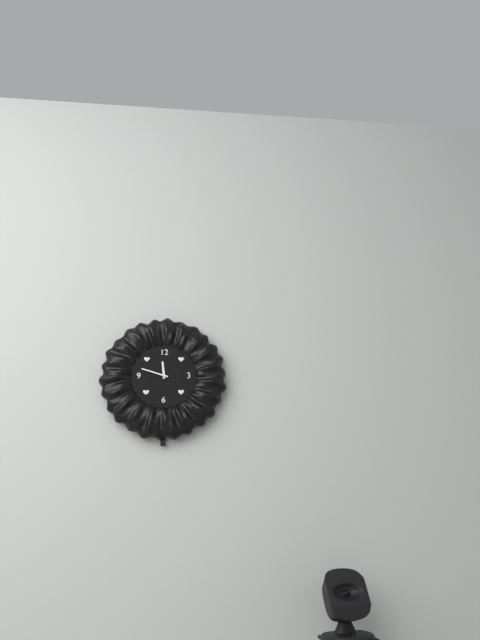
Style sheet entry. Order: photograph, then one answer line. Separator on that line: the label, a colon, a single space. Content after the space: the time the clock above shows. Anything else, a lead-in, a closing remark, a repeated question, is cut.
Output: 11:48
